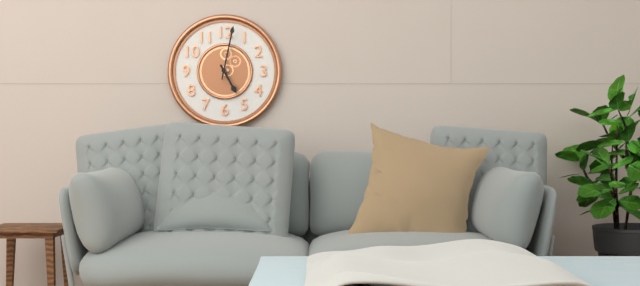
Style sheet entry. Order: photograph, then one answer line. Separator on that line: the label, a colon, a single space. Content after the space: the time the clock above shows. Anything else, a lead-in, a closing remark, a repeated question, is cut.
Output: 5:02
